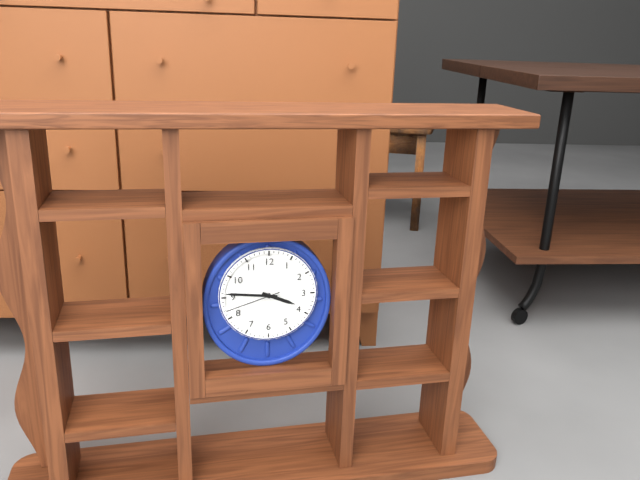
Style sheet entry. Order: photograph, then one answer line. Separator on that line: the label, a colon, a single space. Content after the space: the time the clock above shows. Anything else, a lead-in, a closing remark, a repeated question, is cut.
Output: 3:46:42
